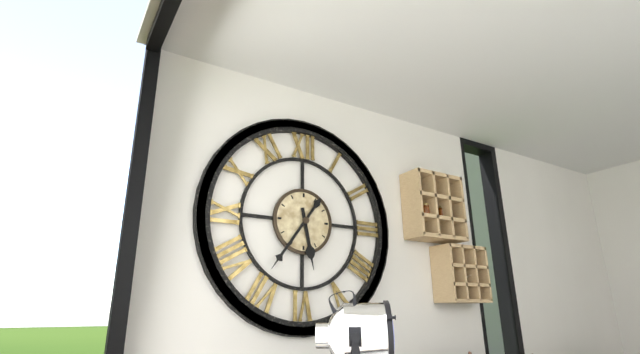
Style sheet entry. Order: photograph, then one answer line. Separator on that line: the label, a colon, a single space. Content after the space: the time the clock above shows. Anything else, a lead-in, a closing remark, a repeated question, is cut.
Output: 5:36
